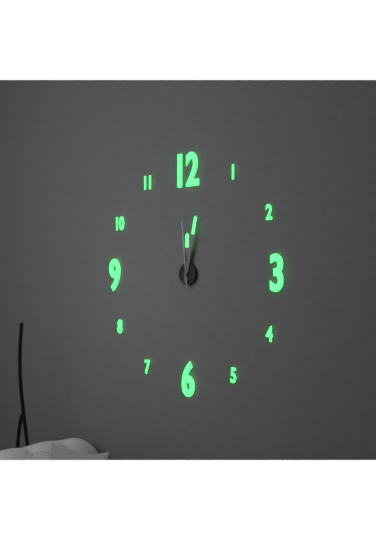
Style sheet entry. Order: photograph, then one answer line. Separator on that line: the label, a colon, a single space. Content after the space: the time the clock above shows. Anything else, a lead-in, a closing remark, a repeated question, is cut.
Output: 12:02:59
